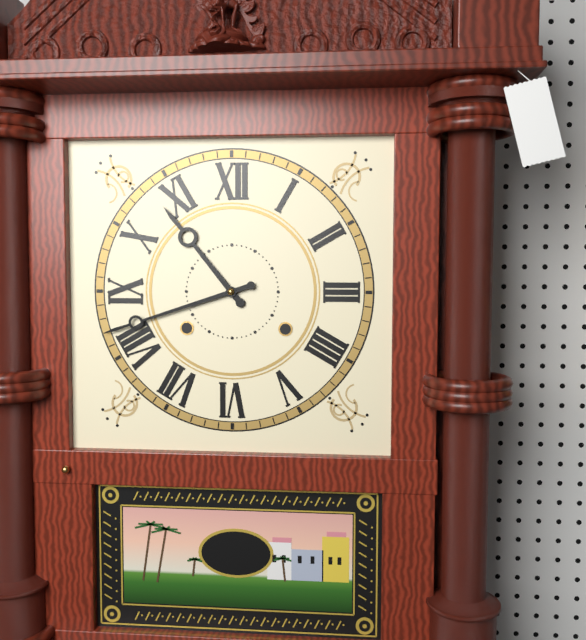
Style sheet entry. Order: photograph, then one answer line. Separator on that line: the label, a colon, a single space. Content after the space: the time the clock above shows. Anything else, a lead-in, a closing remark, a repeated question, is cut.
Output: 10:42
